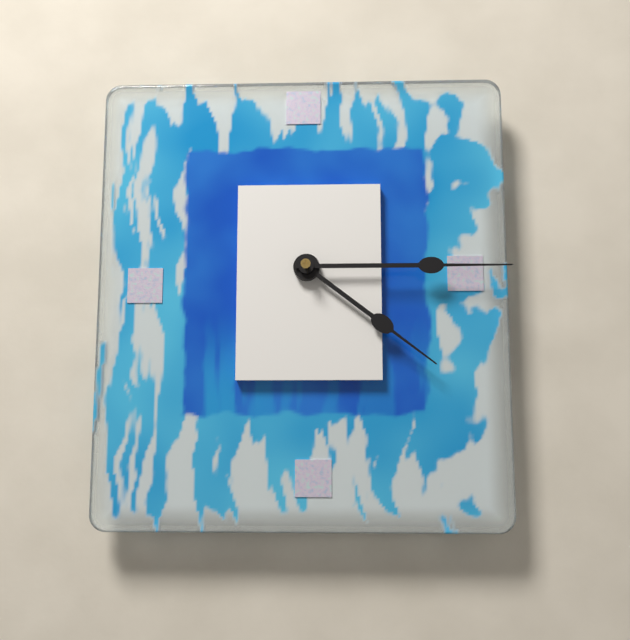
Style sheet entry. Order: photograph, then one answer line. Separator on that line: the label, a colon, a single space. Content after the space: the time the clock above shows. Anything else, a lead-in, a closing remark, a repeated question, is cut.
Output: 4:15
